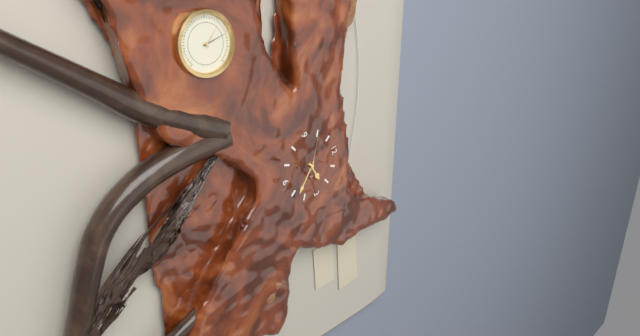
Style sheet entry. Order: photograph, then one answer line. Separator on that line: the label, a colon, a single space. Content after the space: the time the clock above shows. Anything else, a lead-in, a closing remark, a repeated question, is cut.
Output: 2:23
